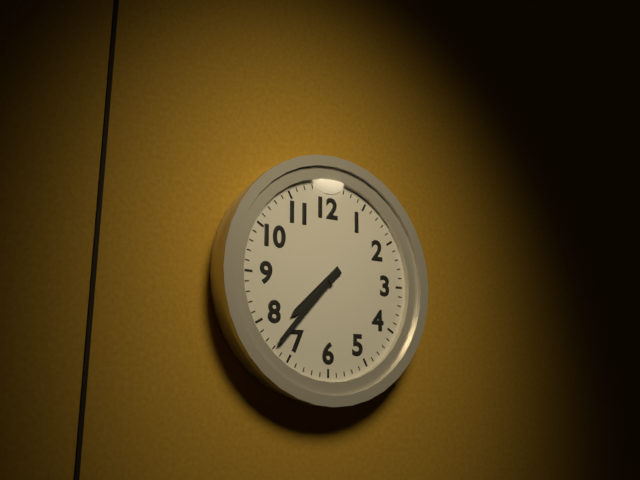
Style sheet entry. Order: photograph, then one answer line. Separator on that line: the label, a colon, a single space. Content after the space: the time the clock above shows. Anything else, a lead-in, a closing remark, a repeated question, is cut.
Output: 7:37
